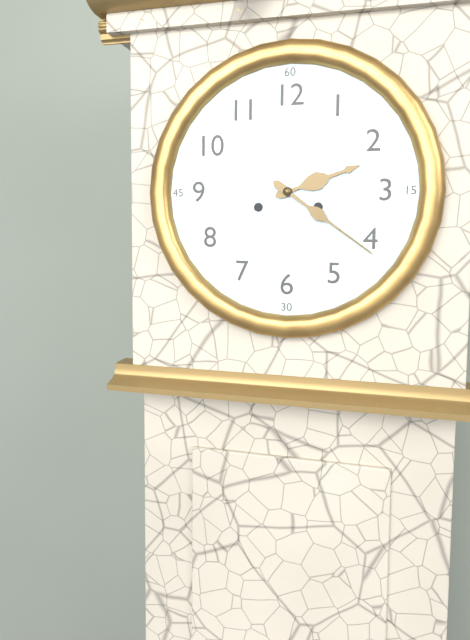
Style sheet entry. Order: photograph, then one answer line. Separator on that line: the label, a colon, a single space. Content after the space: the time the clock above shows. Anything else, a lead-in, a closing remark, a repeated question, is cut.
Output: 2:21
